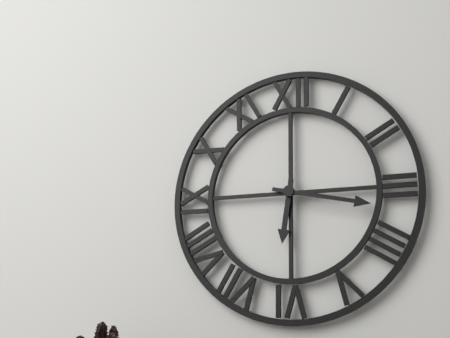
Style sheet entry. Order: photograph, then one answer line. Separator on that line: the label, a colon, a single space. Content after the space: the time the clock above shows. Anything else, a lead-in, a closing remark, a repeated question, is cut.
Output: 6:17
